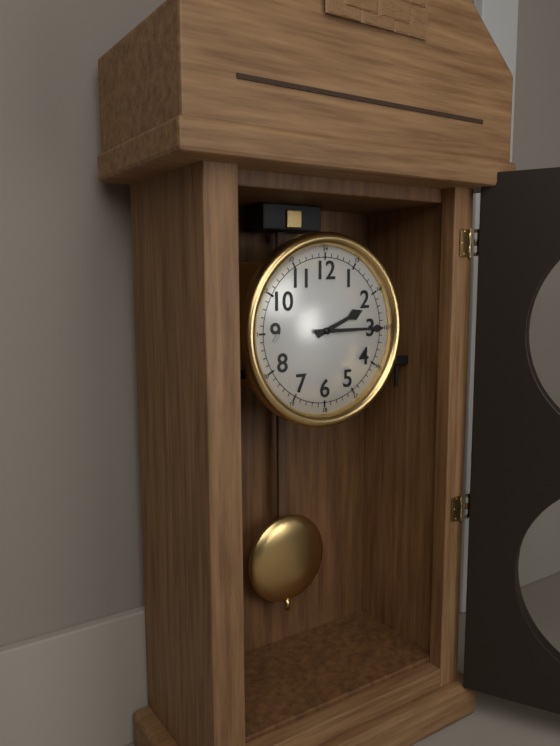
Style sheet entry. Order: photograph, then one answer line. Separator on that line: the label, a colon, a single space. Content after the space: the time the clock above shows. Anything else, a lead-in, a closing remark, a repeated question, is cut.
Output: 2:15
